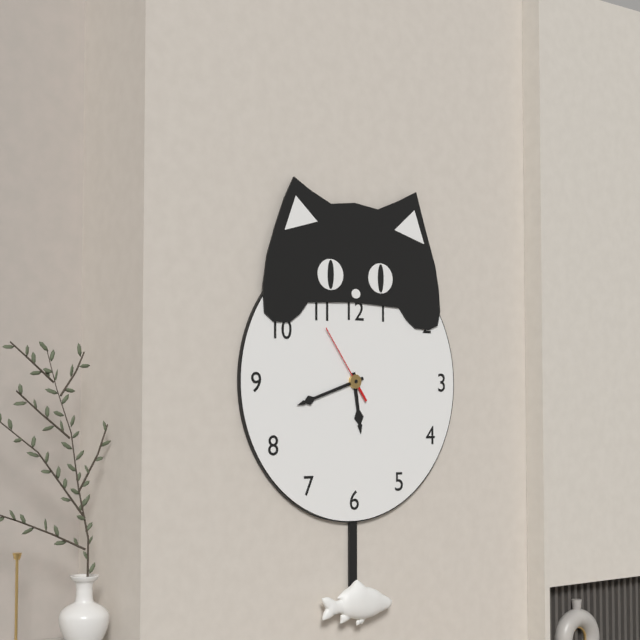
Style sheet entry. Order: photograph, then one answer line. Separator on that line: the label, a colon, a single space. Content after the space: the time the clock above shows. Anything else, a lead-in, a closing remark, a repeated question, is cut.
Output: 5:42:54
